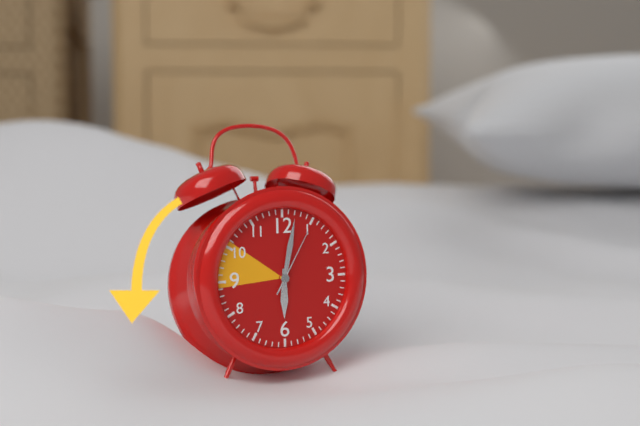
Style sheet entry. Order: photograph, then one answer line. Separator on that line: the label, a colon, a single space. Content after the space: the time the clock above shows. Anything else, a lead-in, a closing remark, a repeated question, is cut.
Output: 6:02:05
